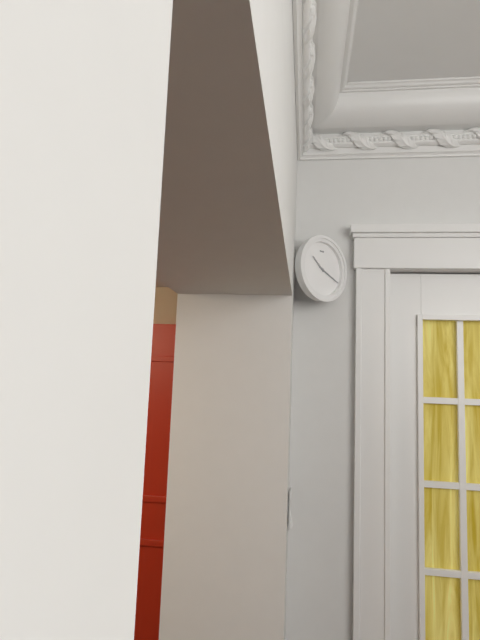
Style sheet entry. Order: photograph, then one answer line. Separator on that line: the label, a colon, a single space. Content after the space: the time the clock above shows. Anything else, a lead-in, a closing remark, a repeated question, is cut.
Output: 10:19
